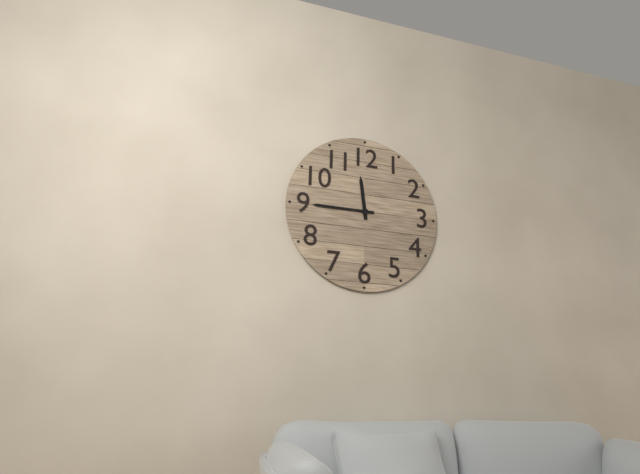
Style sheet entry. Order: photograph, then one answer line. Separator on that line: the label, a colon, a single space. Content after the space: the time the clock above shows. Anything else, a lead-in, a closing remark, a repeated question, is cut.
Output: 11:45
